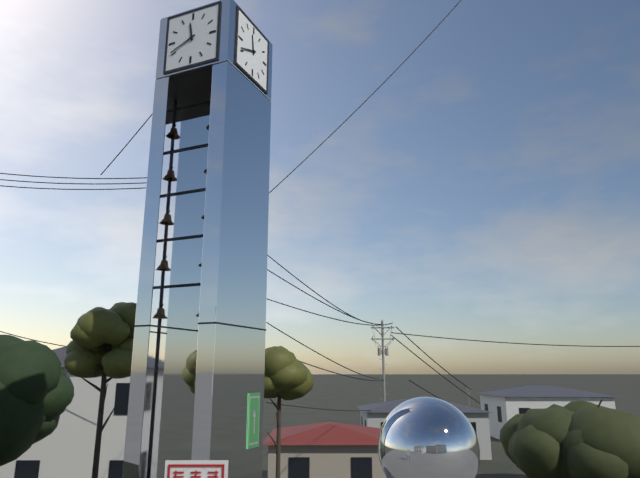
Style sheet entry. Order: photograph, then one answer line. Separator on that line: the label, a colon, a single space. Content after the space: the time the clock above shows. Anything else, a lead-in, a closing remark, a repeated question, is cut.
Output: 11:41
